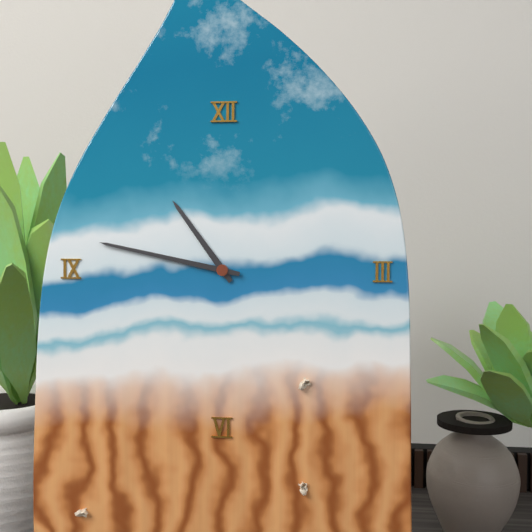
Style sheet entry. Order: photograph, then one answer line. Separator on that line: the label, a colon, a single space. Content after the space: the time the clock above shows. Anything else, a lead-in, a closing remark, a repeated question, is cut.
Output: 10:47
